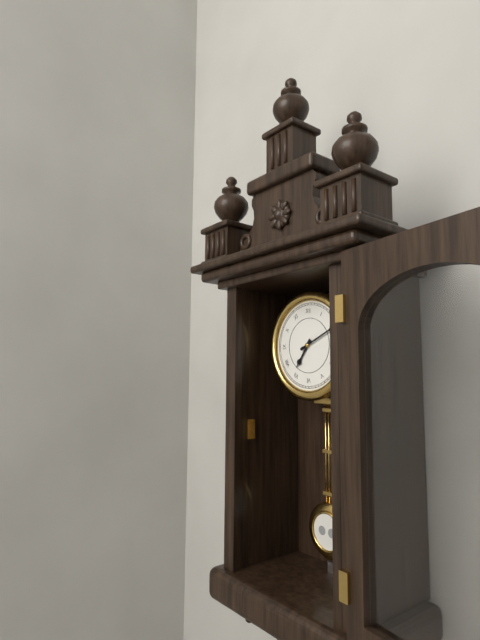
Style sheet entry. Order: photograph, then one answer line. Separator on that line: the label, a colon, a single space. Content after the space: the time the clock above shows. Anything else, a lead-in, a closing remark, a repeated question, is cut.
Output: 7:11
